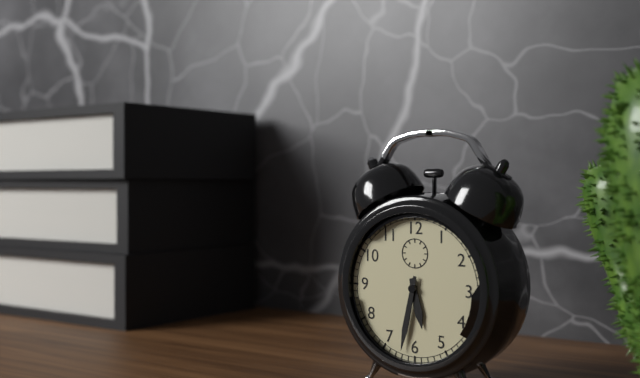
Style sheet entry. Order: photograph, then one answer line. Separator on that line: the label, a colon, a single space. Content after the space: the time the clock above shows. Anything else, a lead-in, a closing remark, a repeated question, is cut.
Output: 5:32
